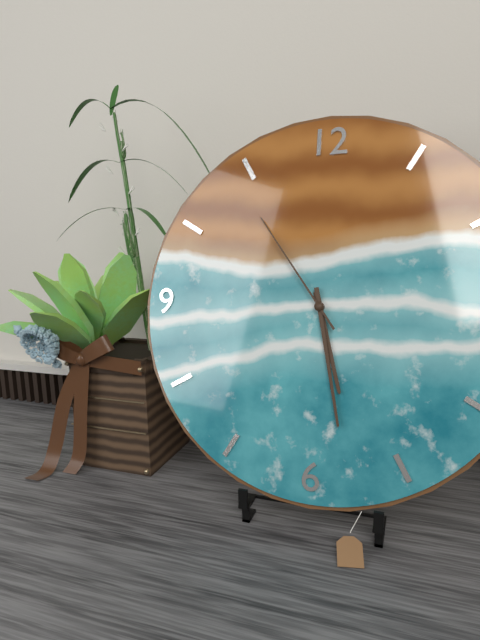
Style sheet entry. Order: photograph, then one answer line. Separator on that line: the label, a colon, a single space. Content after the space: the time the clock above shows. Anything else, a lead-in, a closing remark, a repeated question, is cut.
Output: 5:28:54
